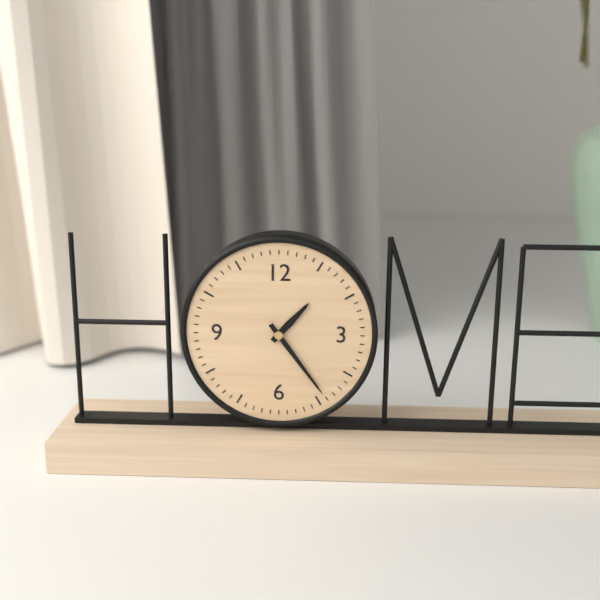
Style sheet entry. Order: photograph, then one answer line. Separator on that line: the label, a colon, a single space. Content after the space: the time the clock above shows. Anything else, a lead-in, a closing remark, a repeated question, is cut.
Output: 1:24
